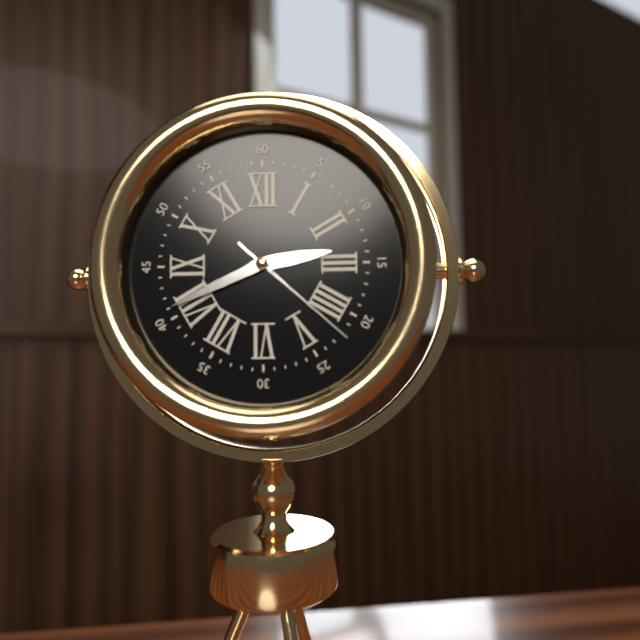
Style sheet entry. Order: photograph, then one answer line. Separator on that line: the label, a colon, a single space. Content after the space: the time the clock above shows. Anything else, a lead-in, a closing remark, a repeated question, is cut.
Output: 2:41:22
